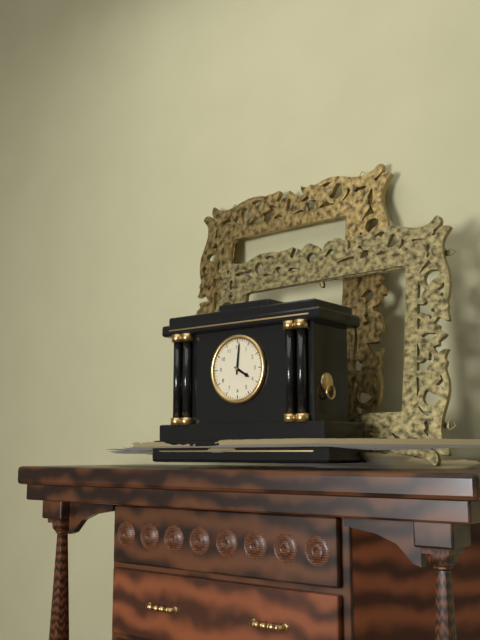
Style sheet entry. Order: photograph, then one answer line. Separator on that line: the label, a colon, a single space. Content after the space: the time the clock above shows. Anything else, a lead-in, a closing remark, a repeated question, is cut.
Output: 4:01
